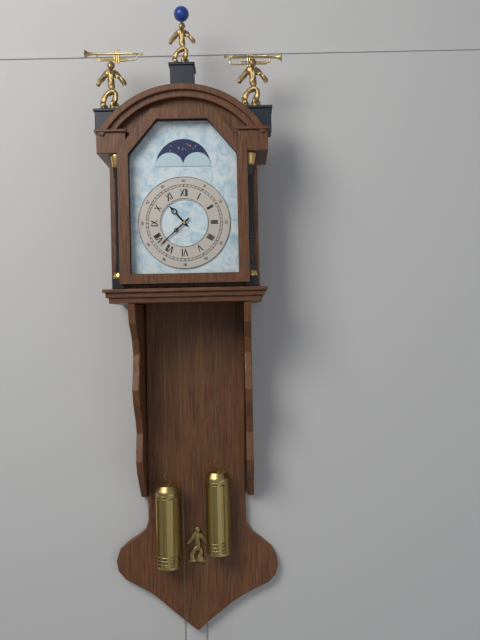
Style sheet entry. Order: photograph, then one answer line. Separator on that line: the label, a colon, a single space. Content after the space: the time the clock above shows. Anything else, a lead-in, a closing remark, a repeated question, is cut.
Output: 10:38
